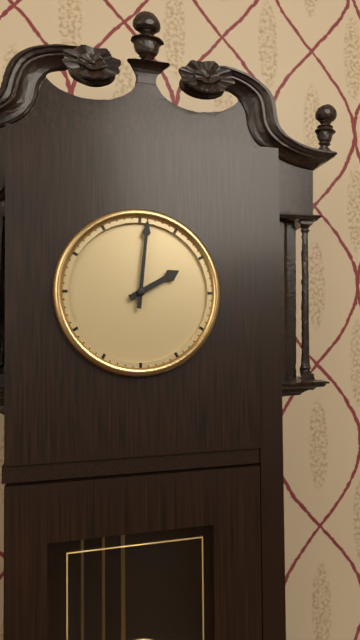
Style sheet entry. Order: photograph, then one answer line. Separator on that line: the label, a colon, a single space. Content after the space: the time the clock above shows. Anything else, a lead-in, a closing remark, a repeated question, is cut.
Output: 2:01
